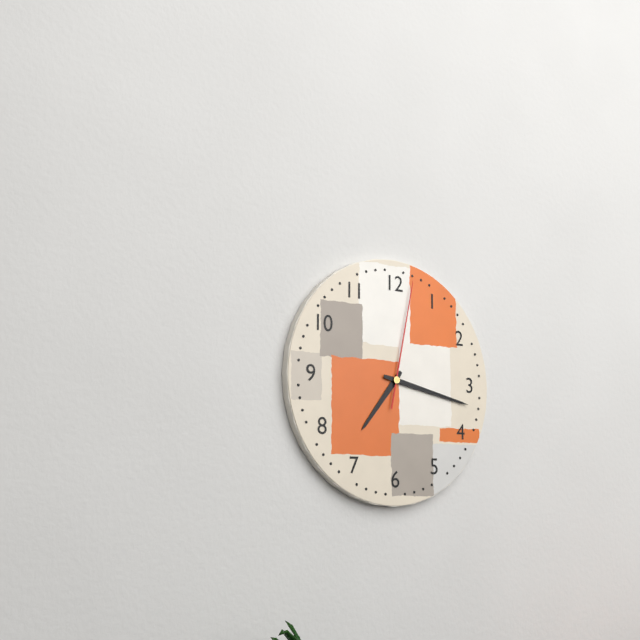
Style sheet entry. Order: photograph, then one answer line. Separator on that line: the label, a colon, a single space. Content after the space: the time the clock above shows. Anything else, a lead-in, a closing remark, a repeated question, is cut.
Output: 7:17:02
